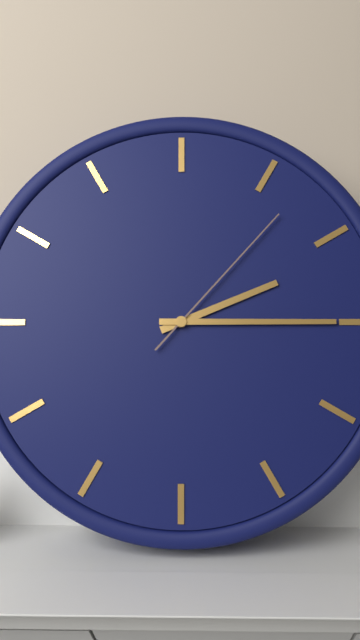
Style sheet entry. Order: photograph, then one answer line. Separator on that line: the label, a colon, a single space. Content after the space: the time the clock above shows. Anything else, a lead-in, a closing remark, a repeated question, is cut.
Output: 2:15:07
